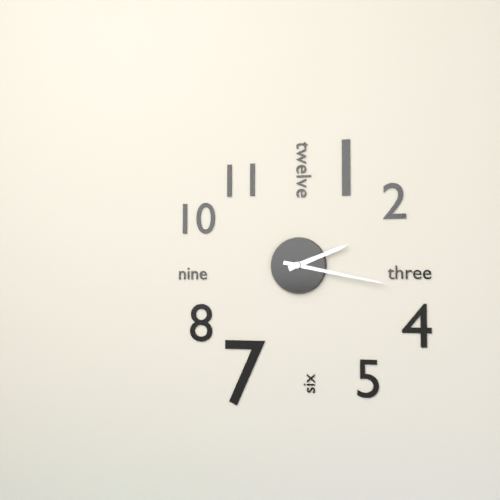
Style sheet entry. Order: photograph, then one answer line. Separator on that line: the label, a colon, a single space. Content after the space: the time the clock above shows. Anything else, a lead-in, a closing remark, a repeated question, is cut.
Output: 2:17
